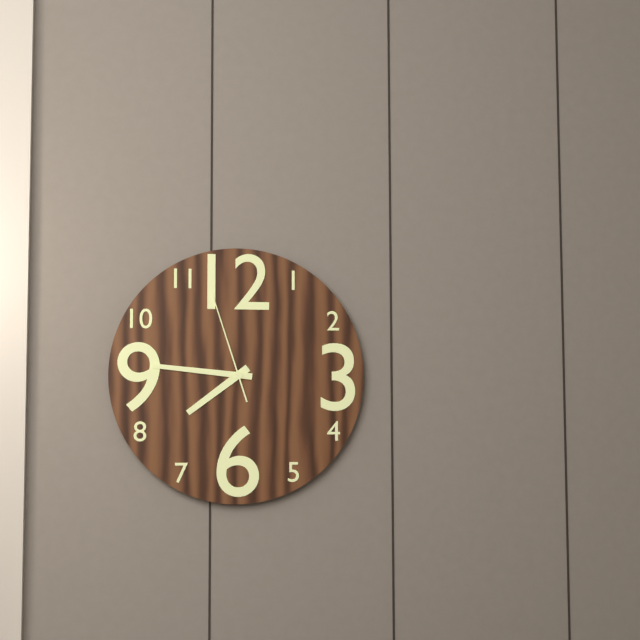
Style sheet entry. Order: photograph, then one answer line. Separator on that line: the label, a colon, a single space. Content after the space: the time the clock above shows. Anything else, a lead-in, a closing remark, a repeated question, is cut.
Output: 7:46:57
